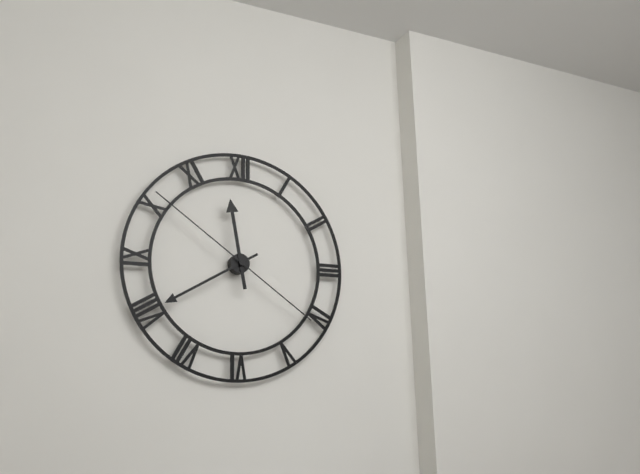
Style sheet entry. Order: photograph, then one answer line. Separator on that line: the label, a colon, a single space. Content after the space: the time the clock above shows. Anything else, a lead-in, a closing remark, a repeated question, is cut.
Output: 11:40:51
